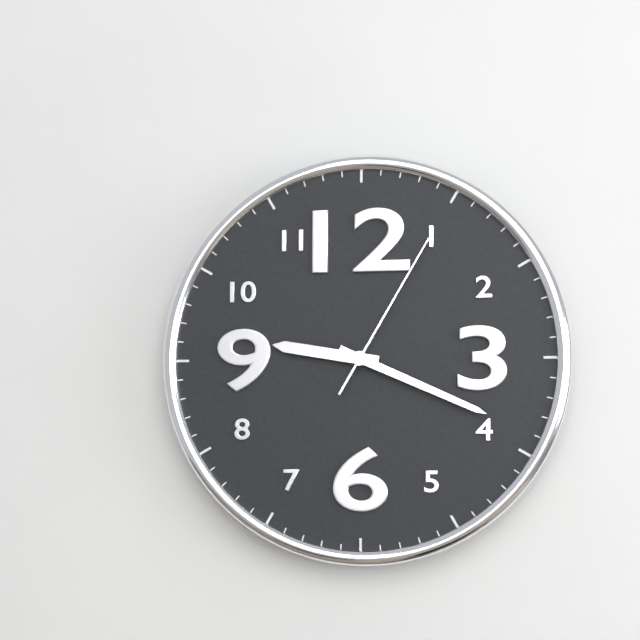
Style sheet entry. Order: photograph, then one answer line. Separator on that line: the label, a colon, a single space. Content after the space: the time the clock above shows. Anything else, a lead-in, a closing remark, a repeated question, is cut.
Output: 9:19:05
